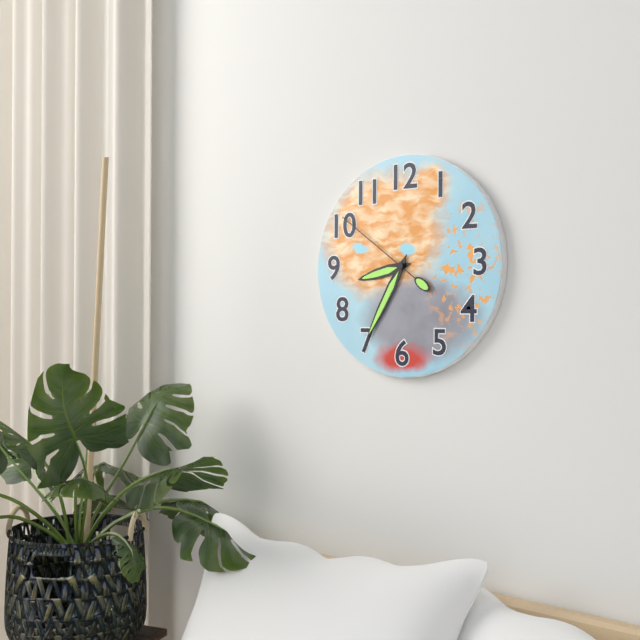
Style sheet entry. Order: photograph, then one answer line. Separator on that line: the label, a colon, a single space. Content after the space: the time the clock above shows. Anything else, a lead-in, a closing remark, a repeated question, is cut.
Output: 8:35:51
